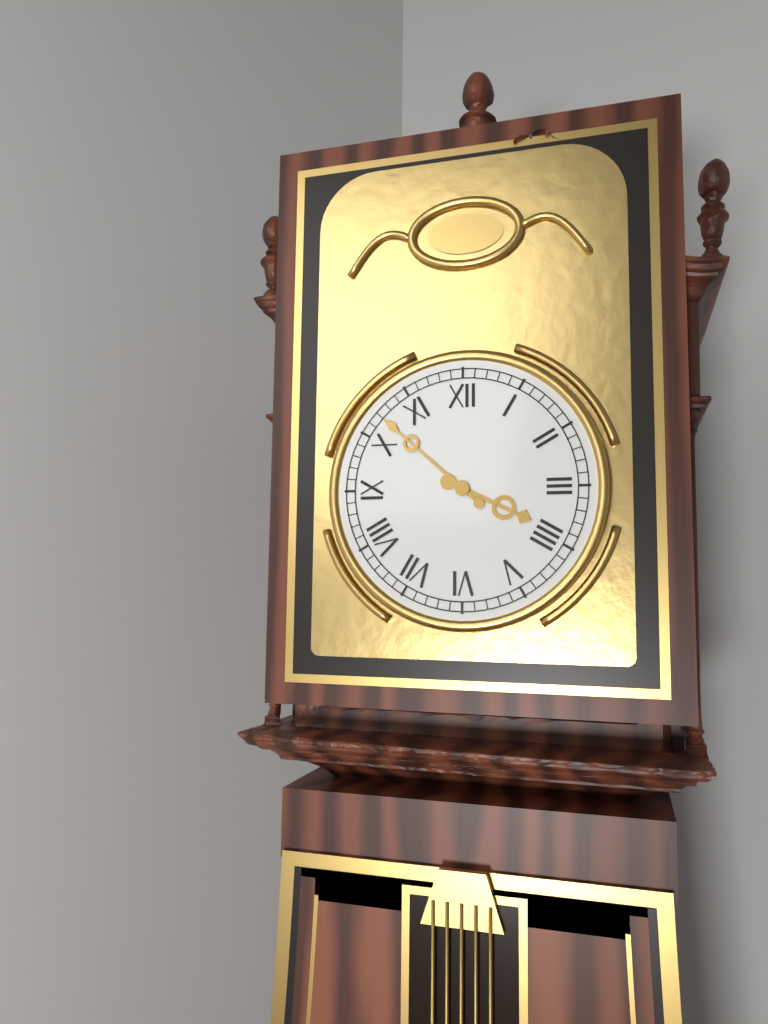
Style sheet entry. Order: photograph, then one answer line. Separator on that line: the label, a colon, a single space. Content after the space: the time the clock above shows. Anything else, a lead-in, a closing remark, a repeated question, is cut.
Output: 3:52
